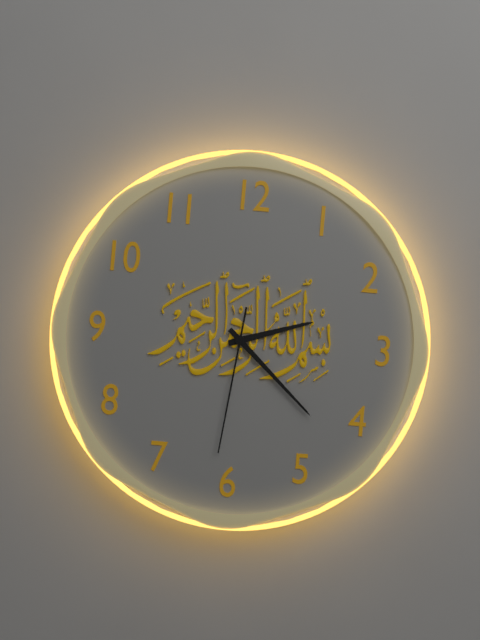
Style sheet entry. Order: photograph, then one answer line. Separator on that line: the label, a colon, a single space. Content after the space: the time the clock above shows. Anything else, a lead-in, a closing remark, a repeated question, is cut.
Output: 2:22:31
